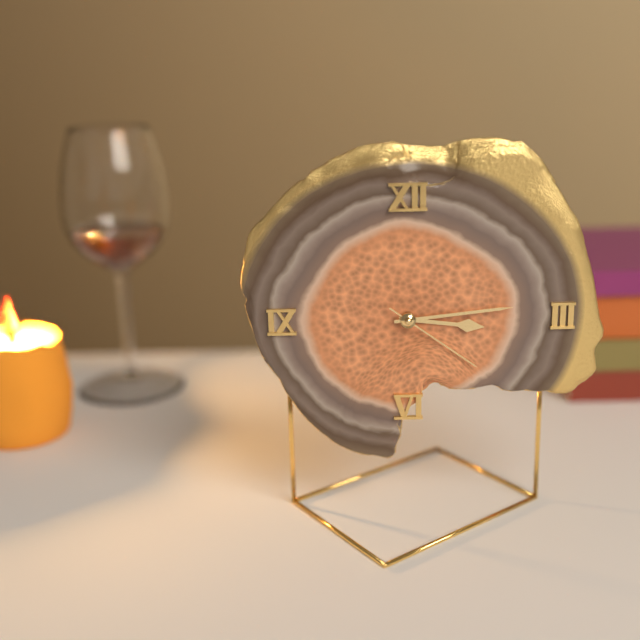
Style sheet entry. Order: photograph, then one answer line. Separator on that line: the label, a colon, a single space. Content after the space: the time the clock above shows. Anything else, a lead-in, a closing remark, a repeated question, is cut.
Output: 3:14:21
